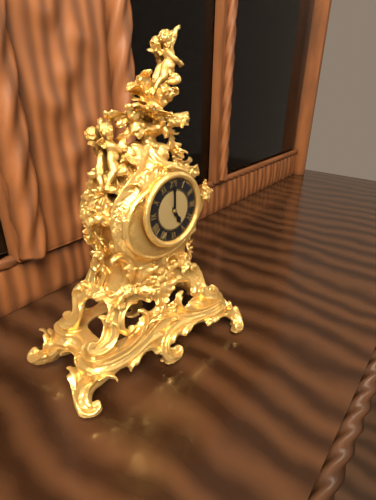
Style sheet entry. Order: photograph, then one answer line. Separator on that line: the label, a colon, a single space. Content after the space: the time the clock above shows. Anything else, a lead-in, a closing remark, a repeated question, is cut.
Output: 5:00
